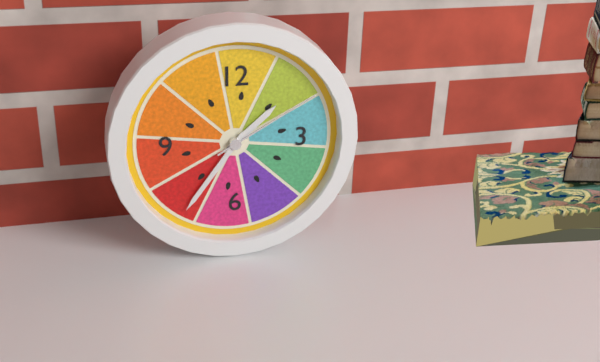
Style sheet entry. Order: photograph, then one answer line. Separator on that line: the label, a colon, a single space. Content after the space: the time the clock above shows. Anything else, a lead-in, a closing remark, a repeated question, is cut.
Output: 1:36:10
